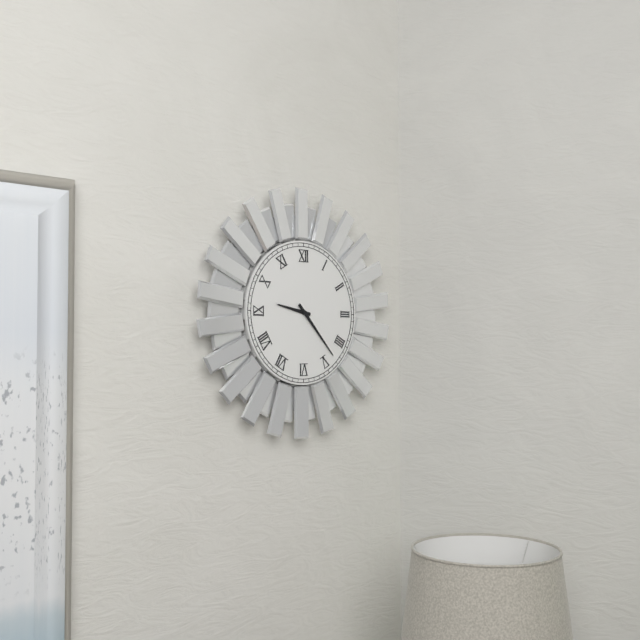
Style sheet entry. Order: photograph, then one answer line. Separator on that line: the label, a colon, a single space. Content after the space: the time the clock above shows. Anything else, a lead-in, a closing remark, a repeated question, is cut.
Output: 9:23
